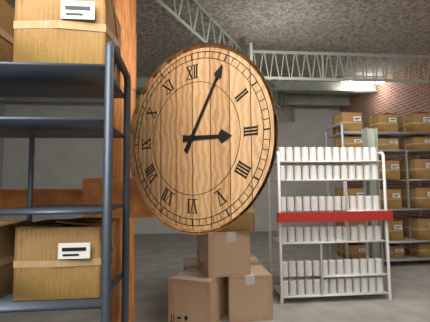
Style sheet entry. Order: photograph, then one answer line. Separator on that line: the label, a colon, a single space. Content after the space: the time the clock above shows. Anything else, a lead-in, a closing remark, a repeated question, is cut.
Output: 3:05
